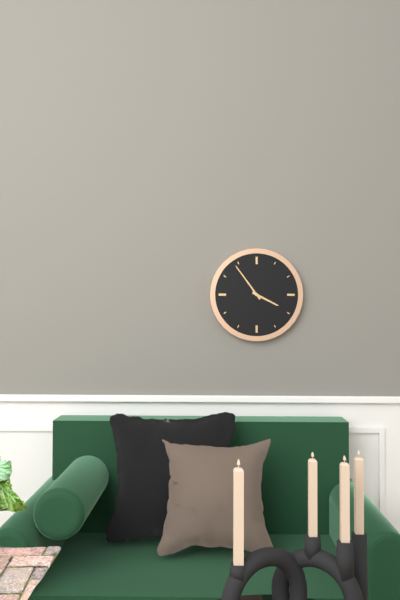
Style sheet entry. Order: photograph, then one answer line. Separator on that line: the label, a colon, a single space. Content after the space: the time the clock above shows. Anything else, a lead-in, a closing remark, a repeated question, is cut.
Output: 3:54
